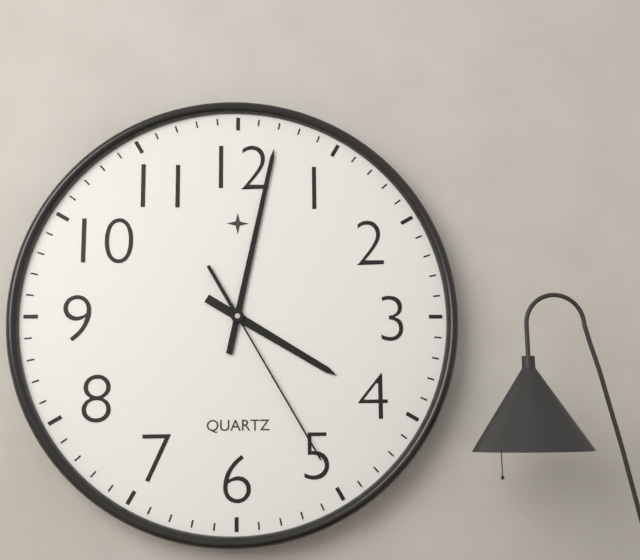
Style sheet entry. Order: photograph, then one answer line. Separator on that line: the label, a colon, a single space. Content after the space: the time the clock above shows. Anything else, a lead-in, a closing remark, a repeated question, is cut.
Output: 4:02:25
